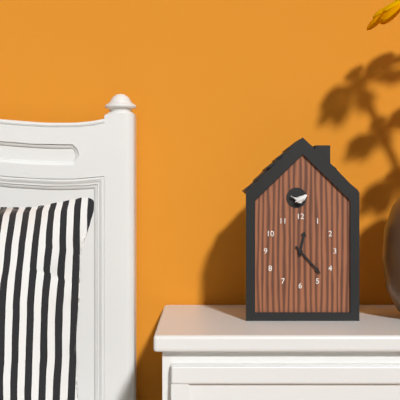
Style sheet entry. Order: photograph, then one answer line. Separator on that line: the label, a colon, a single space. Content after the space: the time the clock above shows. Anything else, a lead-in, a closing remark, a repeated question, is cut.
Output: 12:23
